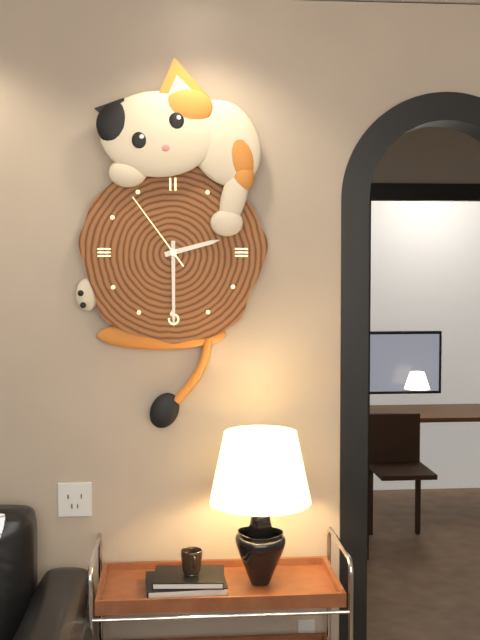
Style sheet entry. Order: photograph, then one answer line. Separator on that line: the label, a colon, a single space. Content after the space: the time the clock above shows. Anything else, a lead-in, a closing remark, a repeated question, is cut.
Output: 2:30:54
